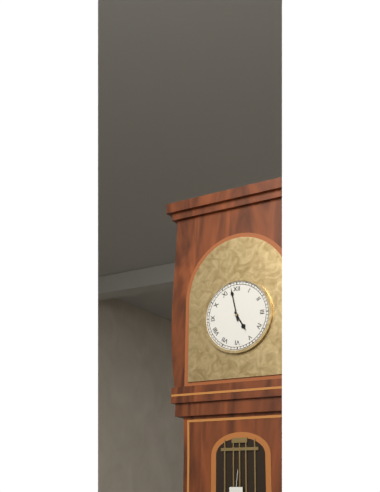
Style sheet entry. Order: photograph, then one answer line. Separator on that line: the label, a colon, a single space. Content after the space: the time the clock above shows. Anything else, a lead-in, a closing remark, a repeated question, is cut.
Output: 4:58
